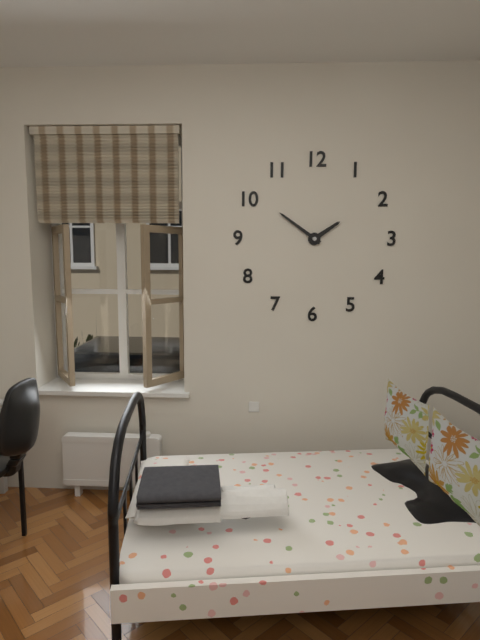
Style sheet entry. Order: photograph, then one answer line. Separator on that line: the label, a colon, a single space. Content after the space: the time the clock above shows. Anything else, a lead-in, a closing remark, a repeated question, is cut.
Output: 1:51
